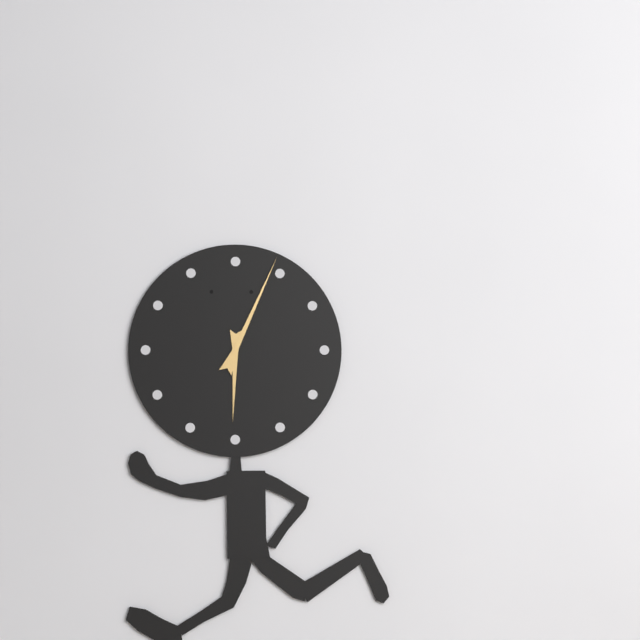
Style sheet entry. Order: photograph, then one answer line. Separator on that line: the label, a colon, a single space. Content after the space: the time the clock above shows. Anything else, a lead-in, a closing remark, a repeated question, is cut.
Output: 6:04
